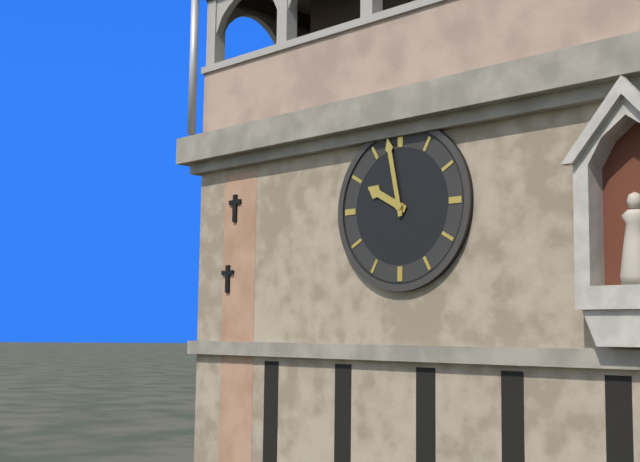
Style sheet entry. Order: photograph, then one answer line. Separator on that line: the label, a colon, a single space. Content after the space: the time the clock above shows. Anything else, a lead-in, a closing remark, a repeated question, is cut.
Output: 9:58
